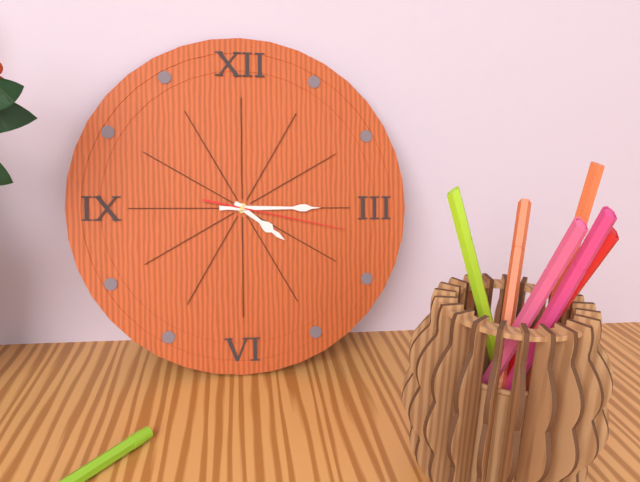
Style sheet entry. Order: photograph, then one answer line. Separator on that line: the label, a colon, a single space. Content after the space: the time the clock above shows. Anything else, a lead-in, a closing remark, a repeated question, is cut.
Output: 4:15:17
